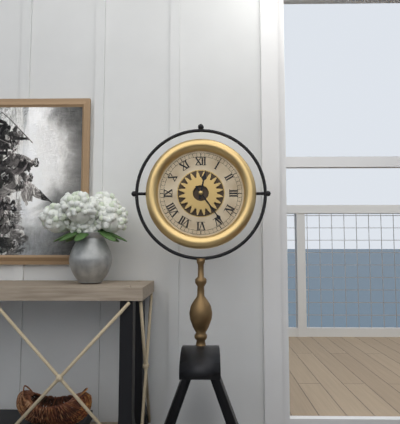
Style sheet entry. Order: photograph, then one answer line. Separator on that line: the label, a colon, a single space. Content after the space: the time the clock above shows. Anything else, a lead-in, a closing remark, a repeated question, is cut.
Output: 12:24
